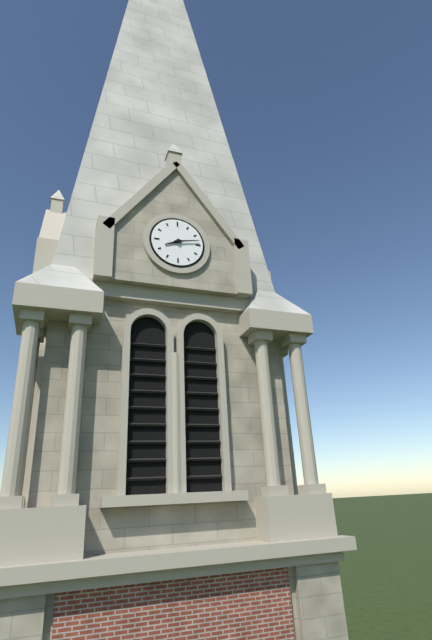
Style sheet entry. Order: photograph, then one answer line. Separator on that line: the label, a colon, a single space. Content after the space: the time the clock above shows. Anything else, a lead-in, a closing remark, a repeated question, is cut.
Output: 8:13
